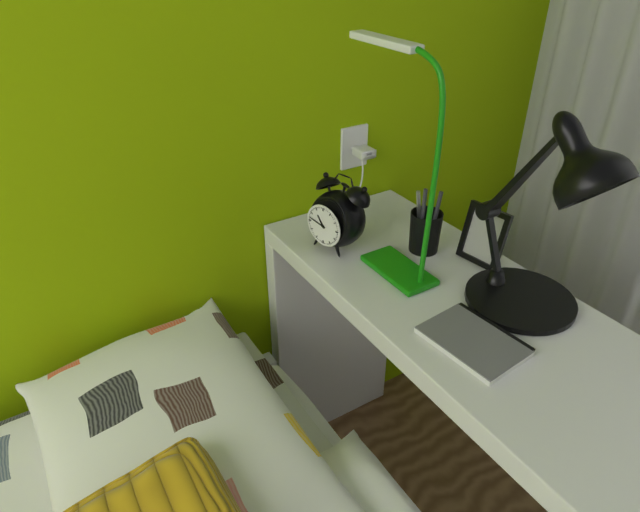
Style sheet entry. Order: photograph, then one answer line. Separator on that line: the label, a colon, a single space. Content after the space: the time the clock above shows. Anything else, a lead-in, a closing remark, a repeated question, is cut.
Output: 10:47
